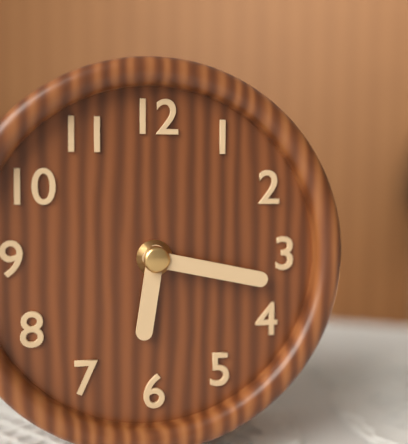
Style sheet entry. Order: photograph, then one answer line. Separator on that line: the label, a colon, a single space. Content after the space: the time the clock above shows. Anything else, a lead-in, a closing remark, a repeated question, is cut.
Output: 6:17
